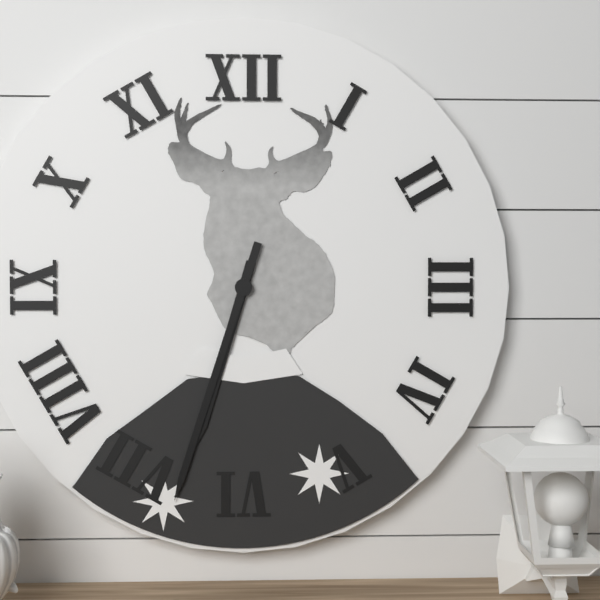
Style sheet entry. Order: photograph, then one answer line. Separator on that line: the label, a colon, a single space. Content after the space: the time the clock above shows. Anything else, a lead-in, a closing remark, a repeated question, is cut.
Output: 6:33
